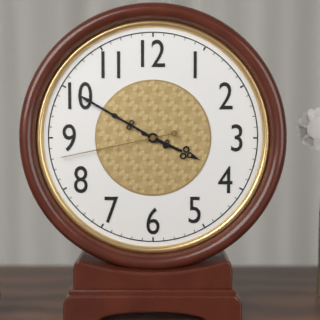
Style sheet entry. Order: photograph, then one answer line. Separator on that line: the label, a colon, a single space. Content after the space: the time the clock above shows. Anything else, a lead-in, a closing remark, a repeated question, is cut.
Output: 3:50:43
